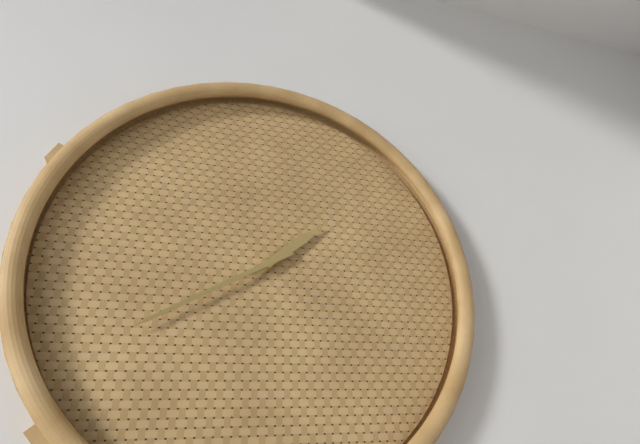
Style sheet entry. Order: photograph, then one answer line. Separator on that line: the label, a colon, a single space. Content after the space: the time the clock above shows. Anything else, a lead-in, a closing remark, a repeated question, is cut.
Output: 1:40
